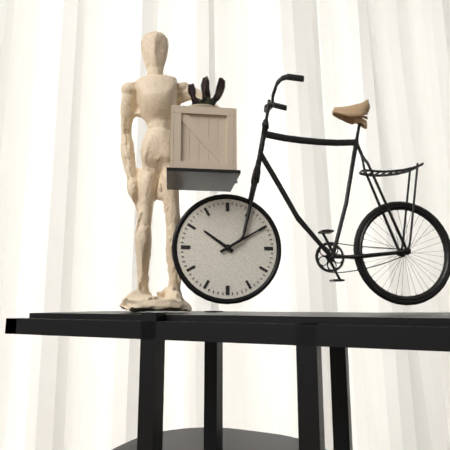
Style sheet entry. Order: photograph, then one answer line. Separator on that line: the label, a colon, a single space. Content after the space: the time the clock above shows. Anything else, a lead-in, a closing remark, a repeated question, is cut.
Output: 10:10
